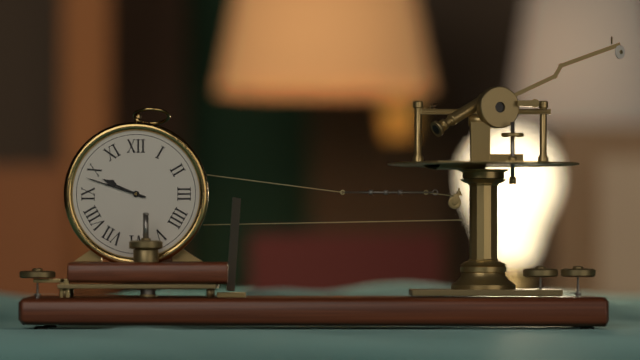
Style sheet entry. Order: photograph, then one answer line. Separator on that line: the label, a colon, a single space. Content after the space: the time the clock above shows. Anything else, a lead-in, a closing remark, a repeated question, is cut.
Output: 9:48
